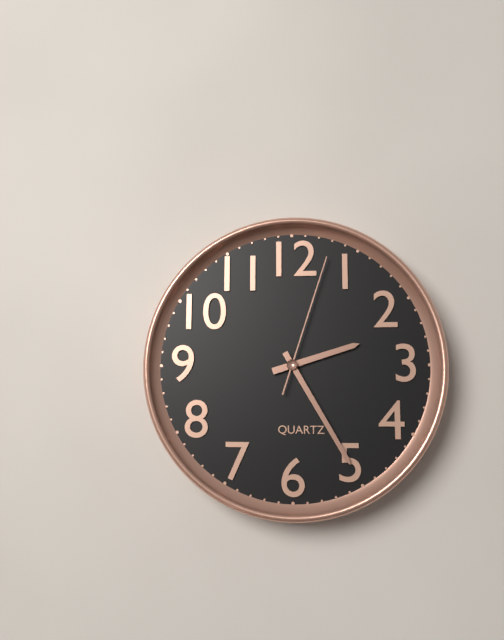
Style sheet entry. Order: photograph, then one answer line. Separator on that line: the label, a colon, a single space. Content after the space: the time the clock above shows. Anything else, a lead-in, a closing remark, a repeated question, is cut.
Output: 2:25:03
